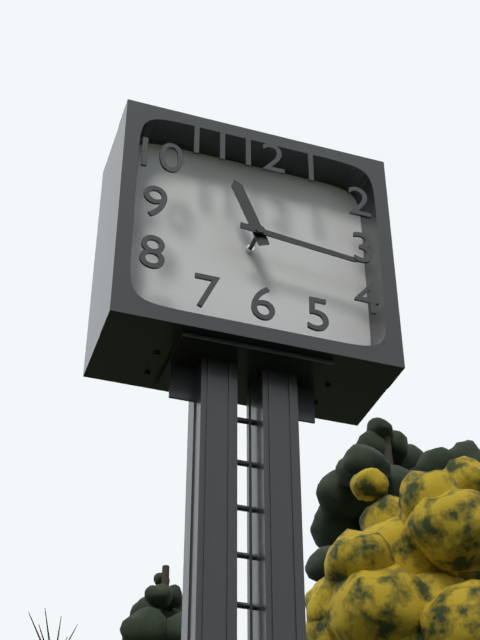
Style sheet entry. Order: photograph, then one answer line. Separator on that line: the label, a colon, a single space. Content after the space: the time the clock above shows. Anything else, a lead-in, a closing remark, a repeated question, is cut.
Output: 11:16
